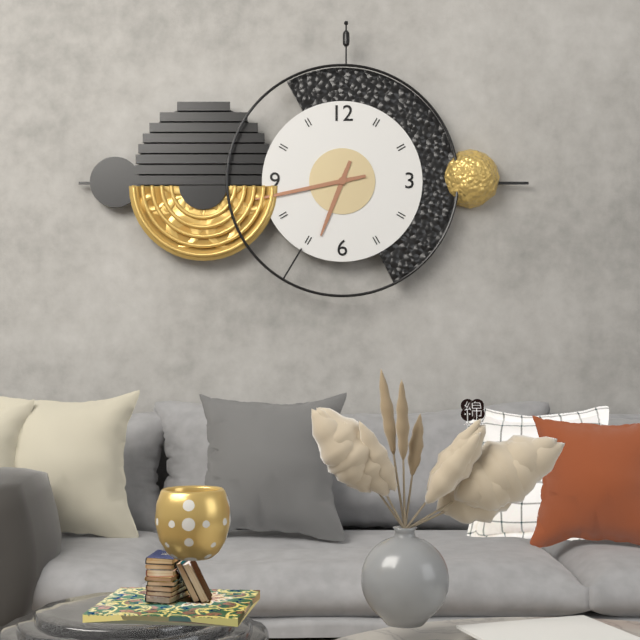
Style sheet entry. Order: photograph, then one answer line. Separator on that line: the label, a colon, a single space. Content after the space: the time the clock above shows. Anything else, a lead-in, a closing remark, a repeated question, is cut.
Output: 6:43
